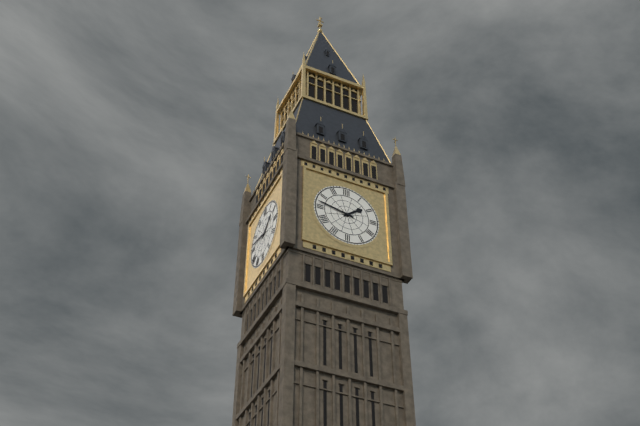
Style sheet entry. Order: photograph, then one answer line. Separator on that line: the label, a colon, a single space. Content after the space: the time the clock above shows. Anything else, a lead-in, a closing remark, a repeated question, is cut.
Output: 1:47
